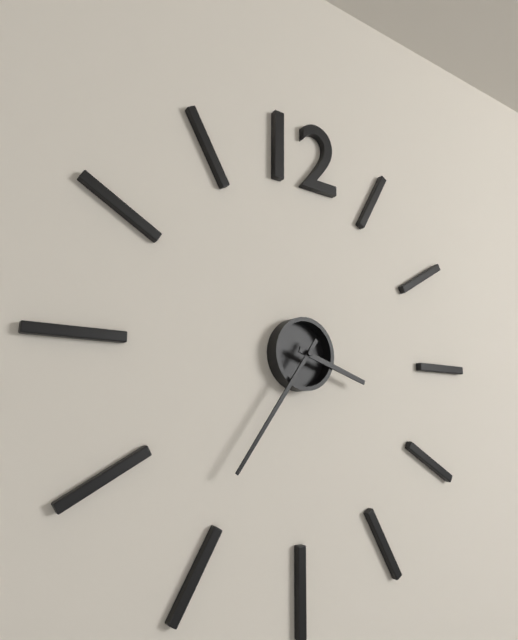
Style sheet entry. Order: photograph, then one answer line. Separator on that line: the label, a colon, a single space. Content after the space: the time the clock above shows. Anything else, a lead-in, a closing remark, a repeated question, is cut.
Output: 3:36
